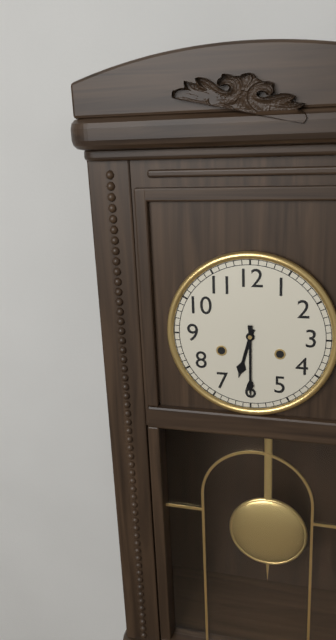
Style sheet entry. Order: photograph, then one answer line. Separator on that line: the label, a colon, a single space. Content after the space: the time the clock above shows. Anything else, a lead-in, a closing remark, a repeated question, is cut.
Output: 6:30
